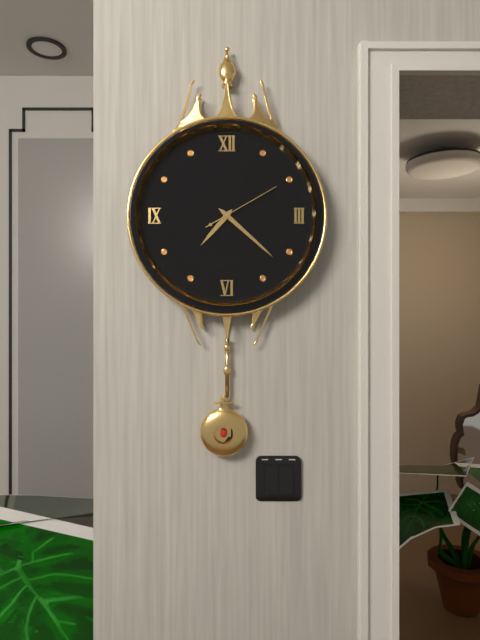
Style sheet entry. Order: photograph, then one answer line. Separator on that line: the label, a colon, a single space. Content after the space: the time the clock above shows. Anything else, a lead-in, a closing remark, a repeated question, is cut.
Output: 7:22:10
